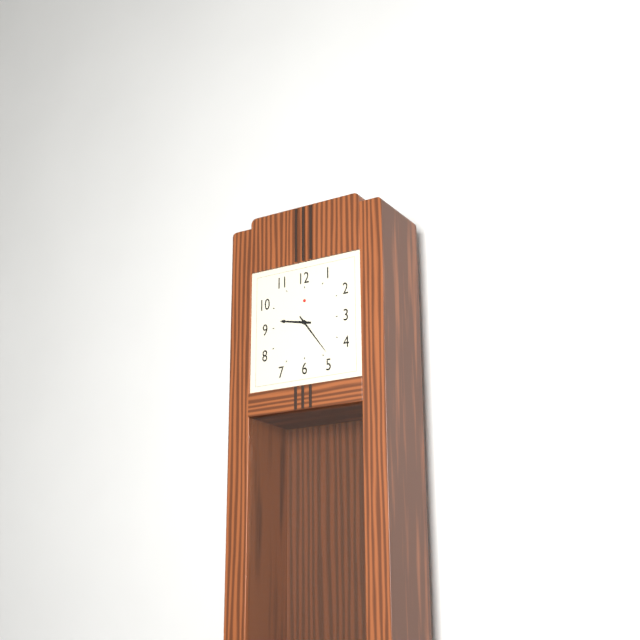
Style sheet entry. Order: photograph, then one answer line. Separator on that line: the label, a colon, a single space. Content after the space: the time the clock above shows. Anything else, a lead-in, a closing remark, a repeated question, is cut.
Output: 9:24
